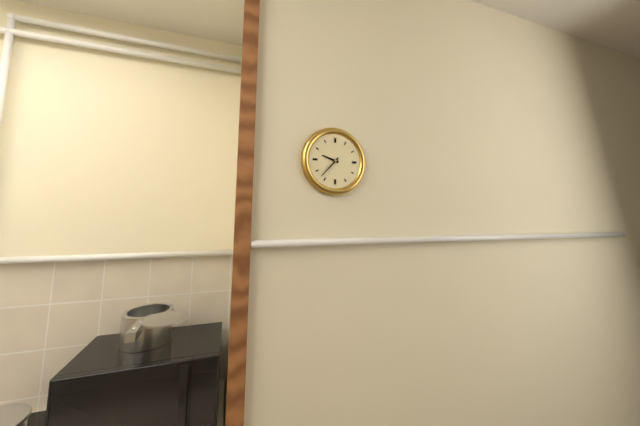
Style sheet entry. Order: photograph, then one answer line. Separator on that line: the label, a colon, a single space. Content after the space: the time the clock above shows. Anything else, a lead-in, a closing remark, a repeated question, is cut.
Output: 9:37
